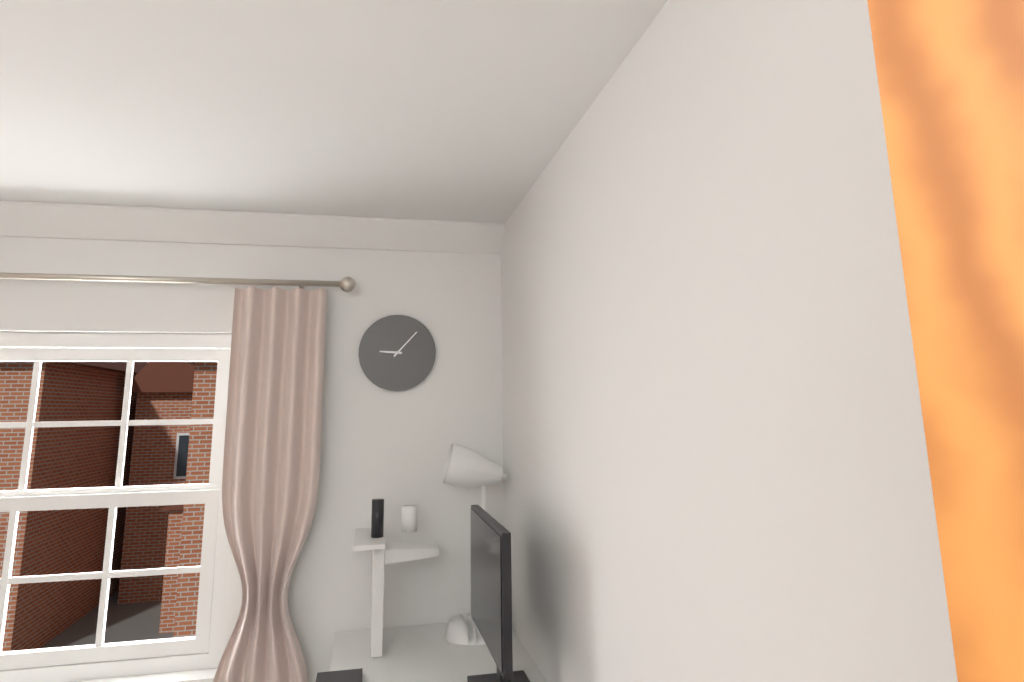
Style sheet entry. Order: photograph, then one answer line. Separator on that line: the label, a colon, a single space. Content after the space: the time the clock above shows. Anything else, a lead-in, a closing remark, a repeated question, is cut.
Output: 9:07
